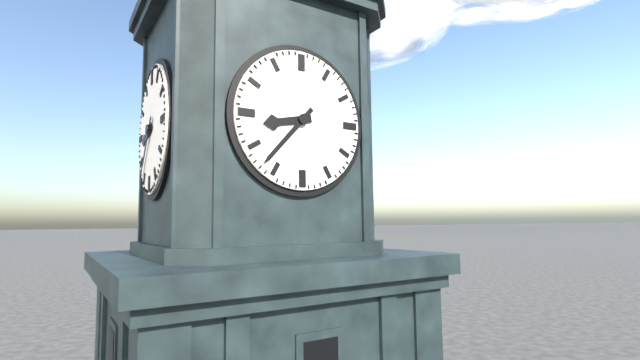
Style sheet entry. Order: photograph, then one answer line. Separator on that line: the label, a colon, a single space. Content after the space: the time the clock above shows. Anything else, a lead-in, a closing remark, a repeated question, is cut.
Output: 8:37
